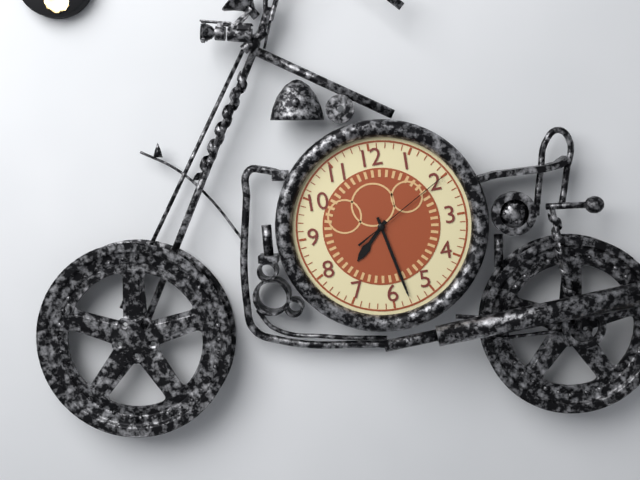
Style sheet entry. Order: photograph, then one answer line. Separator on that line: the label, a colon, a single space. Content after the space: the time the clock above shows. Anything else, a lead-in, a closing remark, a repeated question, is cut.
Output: 7:28:10
